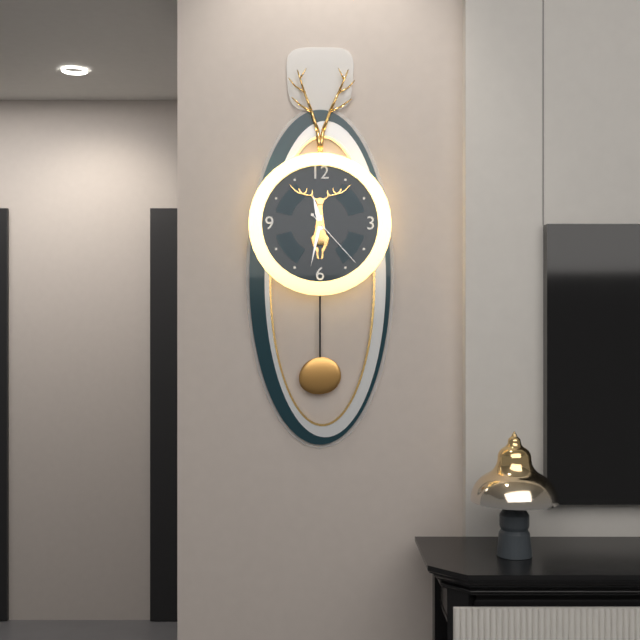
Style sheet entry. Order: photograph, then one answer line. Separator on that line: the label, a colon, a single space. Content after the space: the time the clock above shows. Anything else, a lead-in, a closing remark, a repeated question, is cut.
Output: 11:32:23
